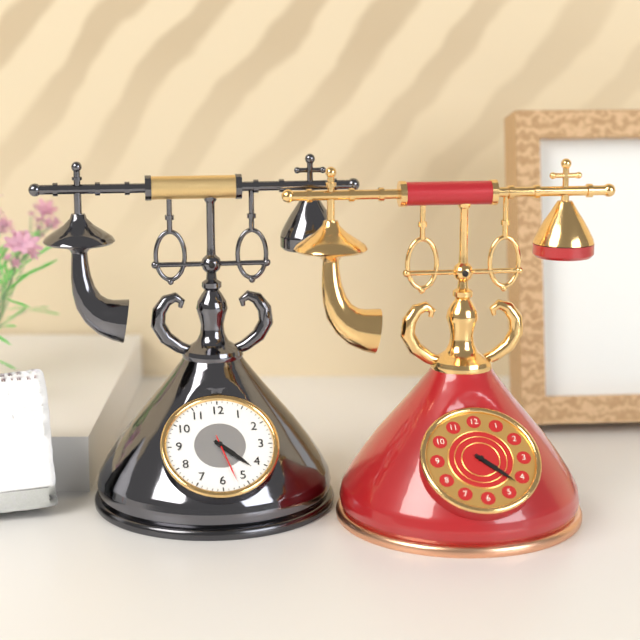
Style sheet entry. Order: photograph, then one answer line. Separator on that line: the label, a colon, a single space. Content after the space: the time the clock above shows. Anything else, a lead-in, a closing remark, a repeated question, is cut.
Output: 4:22
